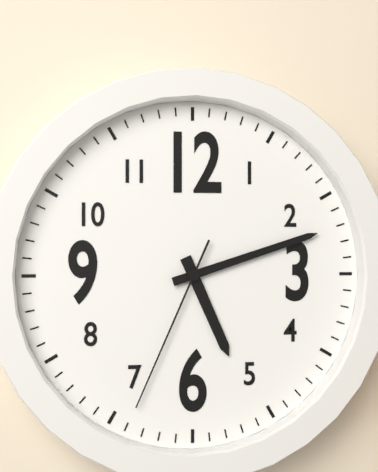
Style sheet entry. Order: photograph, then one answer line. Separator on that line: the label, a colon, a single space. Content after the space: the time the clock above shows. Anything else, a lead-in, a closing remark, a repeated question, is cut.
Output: 5:12:34
